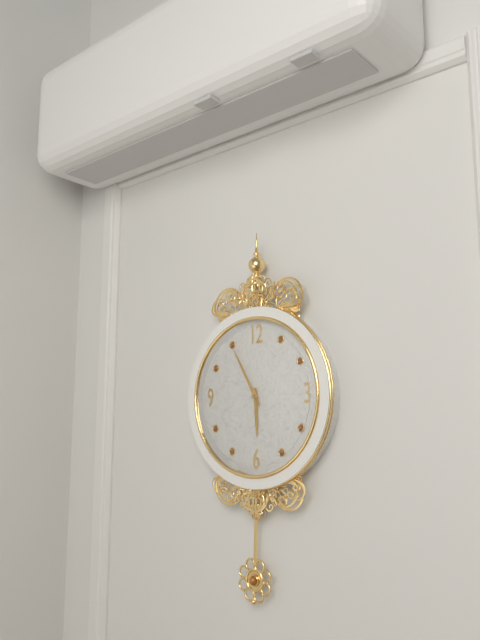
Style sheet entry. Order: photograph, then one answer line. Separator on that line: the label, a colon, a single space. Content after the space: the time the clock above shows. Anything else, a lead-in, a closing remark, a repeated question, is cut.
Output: 5:55
